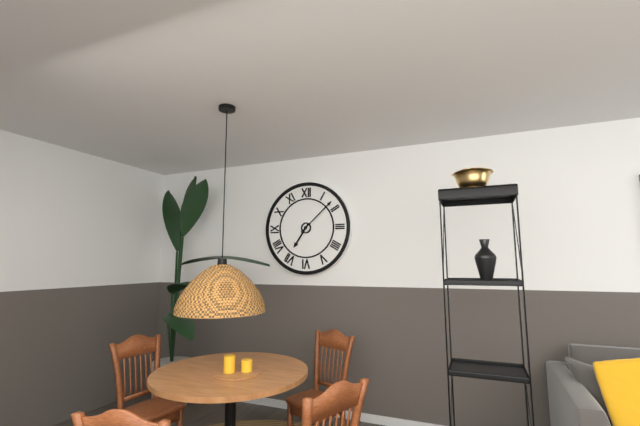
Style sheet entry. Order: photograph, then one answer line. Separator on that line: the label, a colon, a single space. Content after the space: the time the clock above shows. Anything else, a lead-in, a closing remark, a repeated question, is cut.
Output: 7:08
